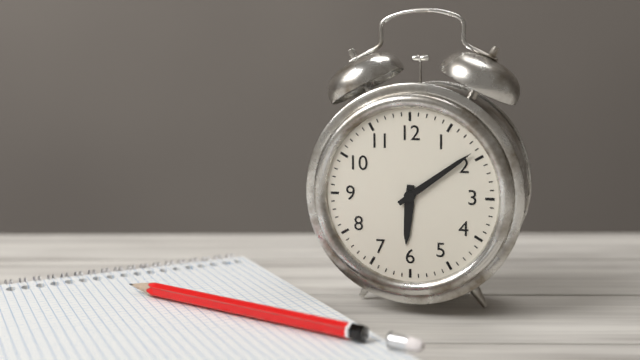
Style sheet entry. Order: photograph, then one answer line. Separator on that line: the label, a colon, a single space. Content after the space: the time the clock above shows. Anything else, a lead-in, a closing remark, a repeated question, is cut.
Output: 6:09
